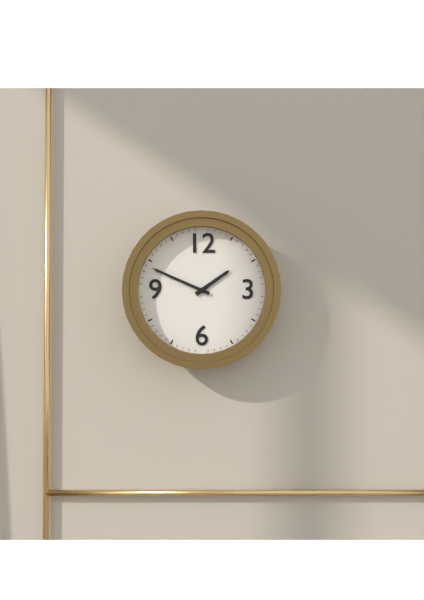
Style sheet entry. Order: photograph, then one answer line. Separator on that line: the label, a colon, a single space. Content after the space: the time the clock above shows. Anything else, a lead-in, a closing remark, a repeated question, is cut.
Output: 1:49
